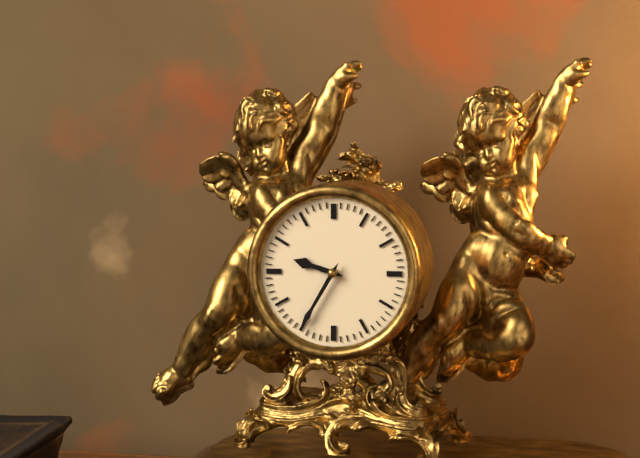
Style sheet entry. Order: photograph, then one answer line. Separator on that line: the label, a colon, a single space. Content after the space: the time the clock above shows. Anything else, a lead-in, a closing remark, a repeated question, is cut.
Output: 9:35
